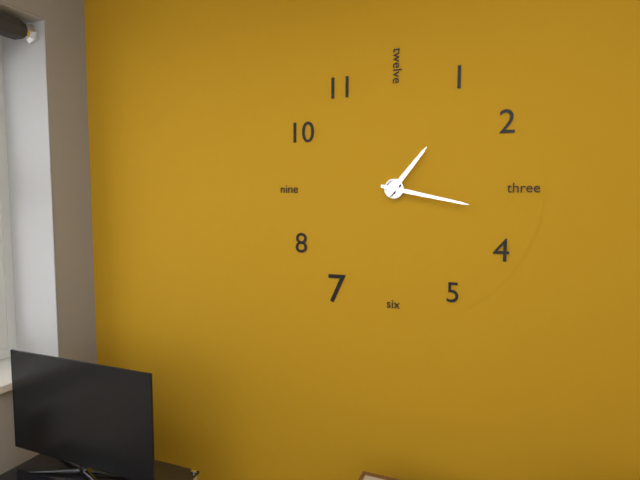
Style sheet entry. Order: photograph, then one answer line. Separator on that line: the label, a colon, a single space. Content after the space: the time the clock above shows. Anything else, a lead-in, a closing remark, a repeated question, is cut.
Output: 1:17
